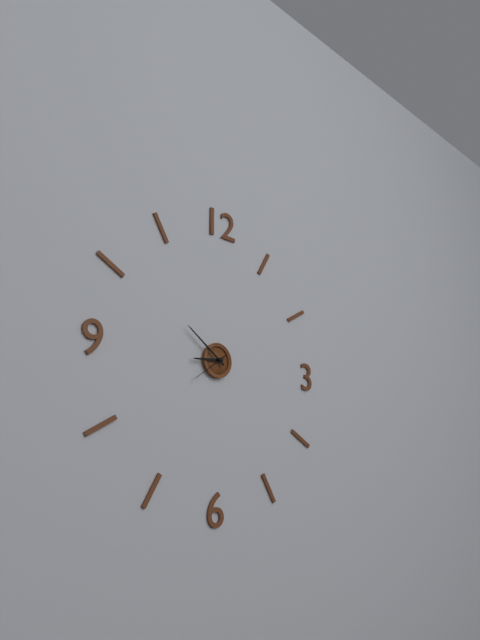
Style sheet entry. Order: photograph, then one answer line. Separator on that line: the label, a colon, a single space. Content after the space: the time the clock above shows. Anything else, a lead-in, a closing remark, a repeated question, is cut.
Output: 8:51
